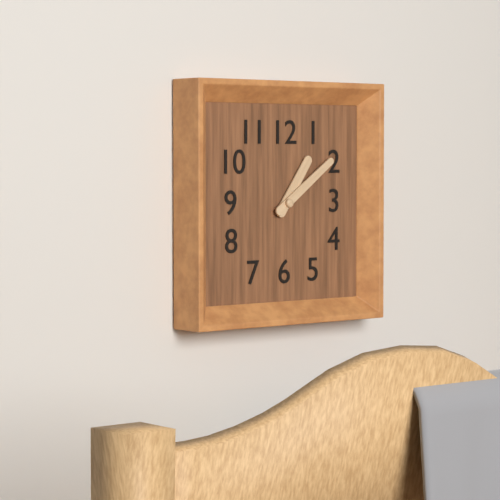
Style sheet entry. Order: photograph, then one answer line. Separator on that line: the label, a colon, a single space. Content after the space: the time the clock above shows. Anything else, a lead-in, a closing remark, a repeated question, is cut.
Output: 1:09
